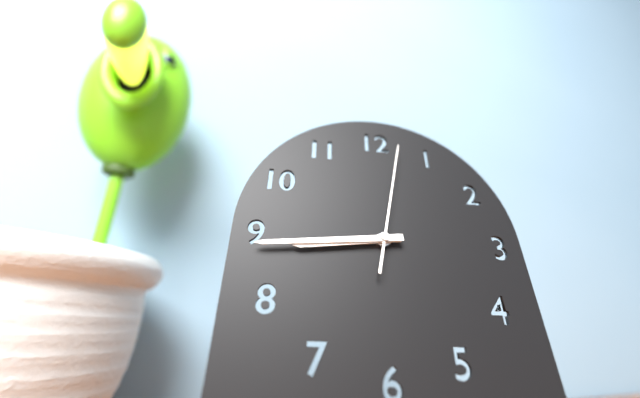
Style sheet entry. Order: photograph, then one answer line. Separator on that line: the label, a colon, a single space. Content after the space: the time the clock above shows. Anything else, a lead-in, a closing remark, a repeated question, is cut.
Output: 8:44:02
